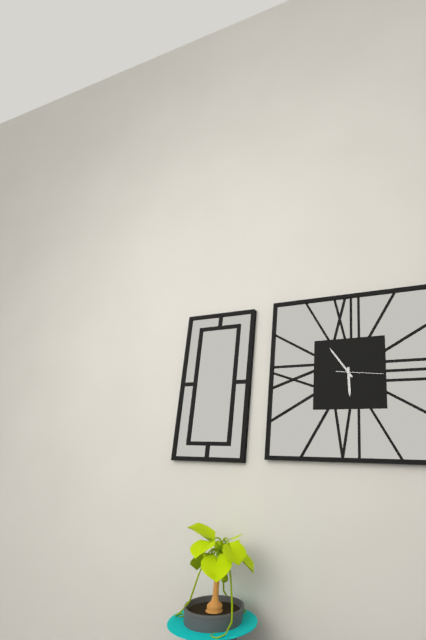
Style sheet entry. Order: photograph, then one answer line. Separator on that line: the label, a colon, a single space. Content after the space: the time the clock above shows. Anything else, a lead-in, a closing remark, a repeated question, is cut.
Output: 5:54
